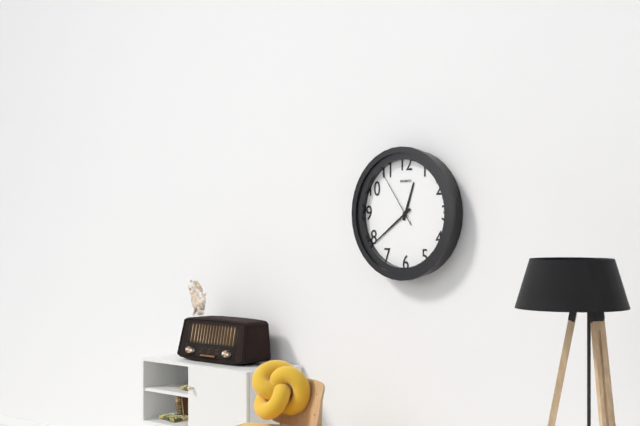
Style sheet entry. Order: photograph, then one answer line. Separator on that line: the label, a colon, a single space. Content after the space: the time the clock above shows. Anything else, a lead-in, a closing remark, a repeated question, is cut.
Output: 12:39:54
